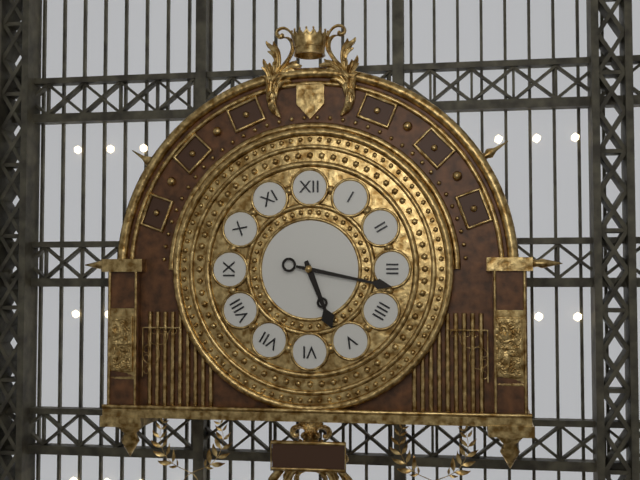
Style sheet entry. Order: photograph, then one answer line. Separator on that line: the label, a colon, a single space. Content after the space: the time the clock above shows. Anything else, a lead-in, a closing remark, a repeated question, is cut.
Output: 5:17
